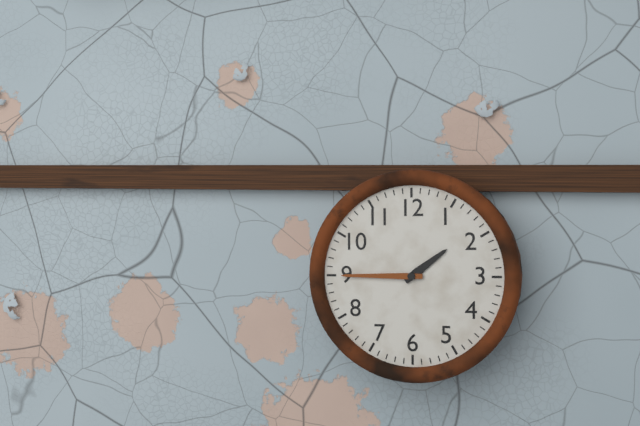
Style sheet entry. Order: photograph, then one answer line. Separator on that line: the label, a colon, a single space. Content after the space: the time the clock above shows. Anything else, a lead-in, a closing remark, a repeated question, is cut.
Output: 1:45
